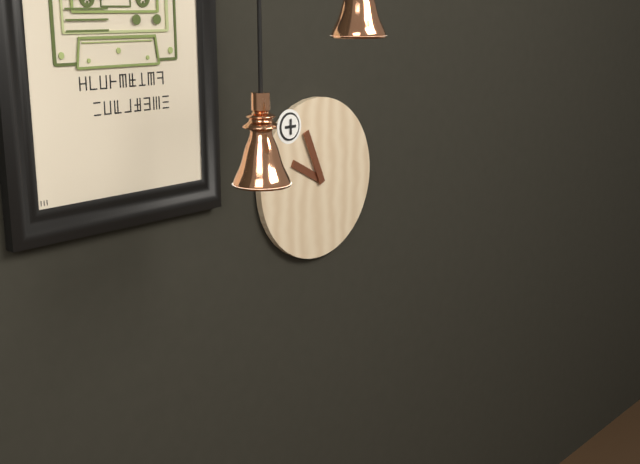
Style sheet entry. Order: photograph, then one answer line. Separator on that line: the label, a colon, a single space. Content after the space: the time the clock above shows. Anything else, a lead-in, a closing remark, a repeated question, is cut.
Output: 9:56
